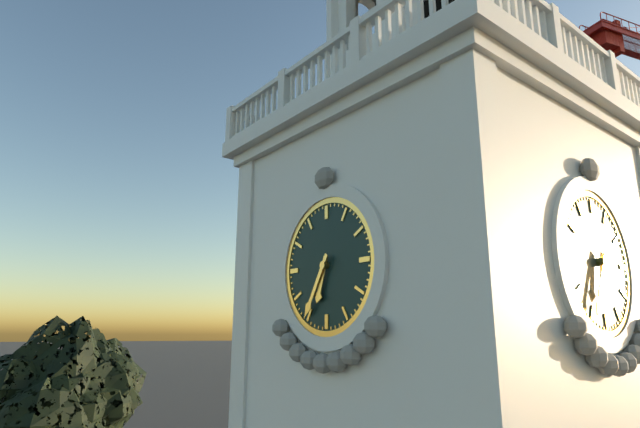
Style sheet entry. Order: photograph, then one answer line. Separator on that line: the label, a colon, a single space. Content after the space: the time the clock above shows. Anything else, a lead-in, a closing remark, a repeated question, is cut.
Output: 6:35
